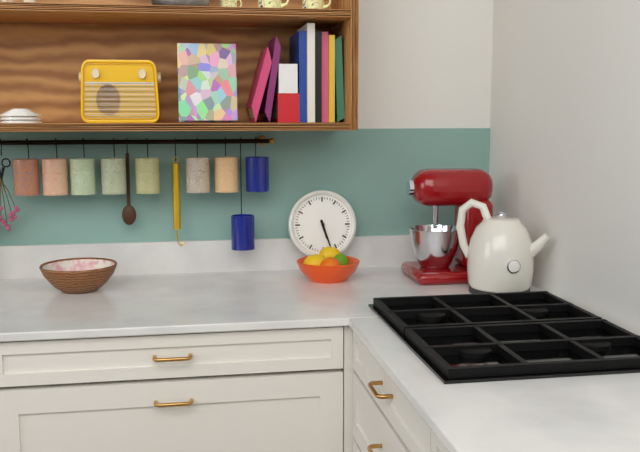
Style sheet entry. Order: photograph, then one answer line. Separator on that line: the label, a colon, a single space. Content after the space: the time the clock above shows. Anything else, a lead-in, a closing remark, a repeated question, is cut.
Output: 5:27
